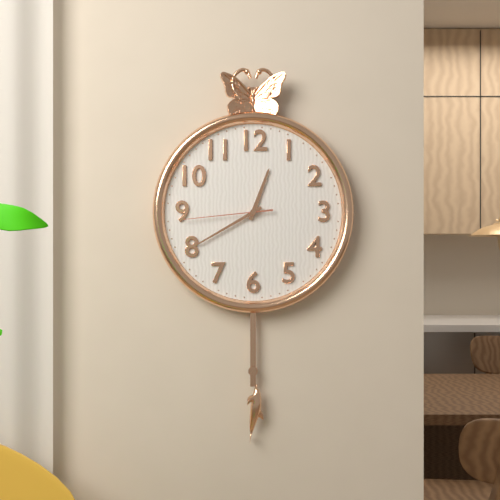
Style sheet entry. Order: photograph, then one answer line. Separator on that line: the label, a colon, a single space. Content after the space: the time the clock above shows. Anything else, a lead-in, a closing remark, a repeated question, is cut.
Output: 12:40:44
